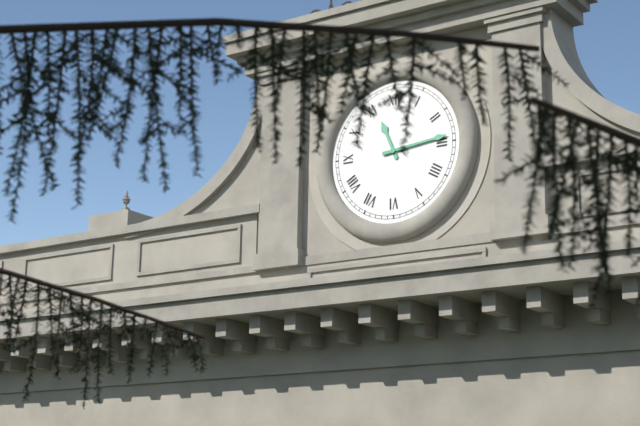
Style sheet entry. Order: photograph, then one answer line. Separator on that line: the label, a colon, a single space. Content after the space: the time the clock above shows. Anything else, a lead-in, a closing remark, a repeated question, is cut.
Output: 11:14
